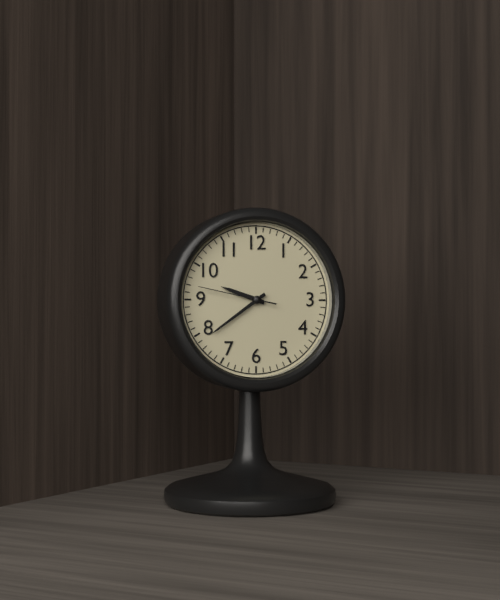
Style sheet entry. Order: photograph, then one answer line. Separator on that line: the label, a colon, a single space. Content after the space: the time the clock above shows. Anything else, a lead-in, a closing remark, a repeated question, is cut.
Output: 9:39:47
